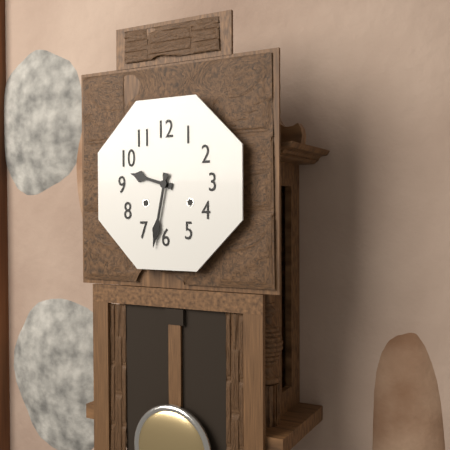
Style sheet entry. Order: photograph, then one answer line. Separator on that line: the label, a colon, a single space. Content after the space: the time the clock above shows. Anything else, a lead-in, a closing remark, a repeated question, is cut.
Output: 9:32
